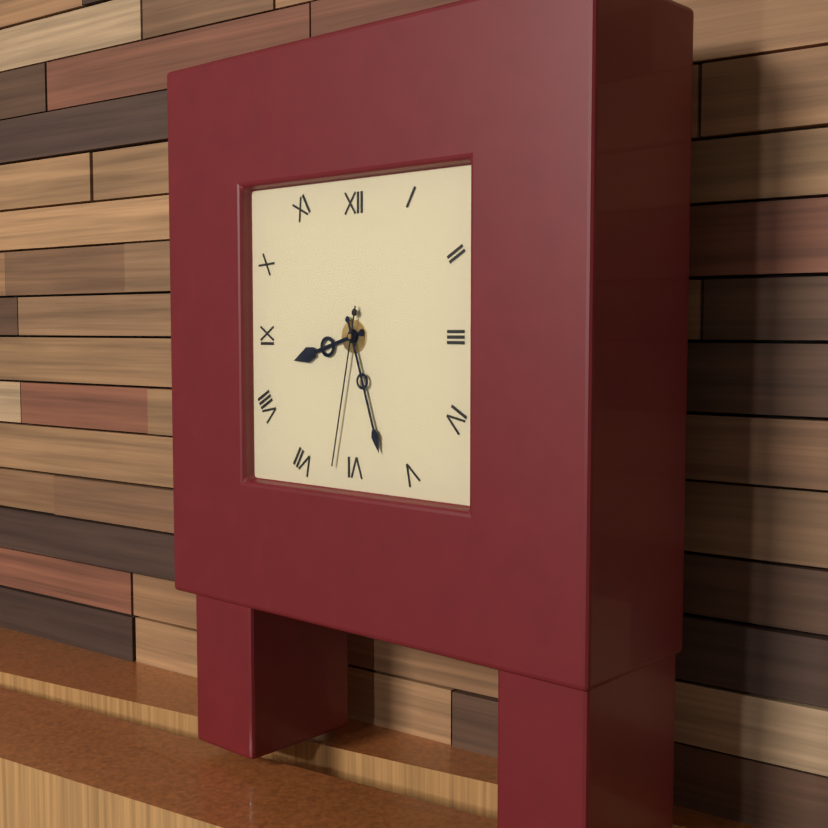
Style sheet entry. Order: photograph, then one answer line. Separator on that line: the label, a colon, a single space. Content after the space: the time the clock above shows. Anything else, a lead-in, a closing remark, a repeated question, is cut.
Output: 8:27:32
